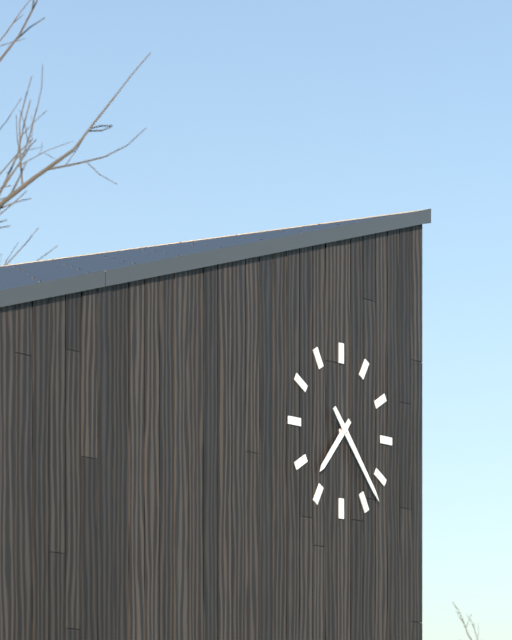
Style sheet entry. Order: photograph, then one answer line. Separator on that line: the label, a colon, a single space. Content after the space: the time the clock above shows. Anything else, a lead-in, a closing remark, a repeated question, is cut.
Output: 7:23
